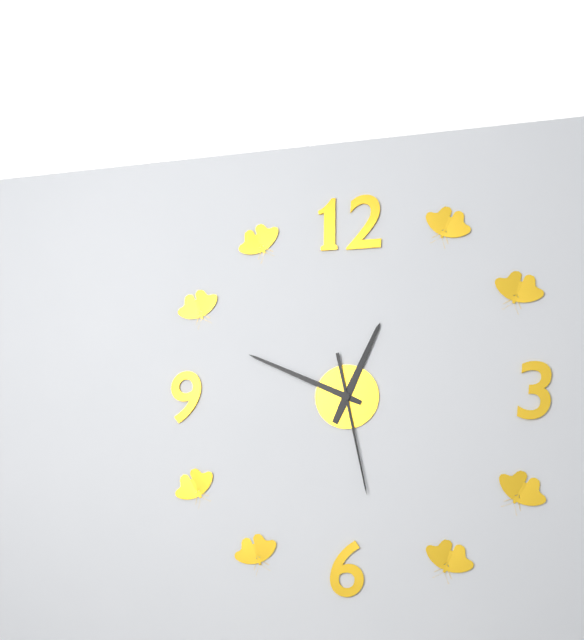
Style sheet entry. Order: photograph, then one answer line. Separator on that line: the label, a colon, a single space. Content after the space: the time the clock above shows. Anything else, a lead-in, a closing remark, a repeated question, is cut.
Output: 12:49:28
